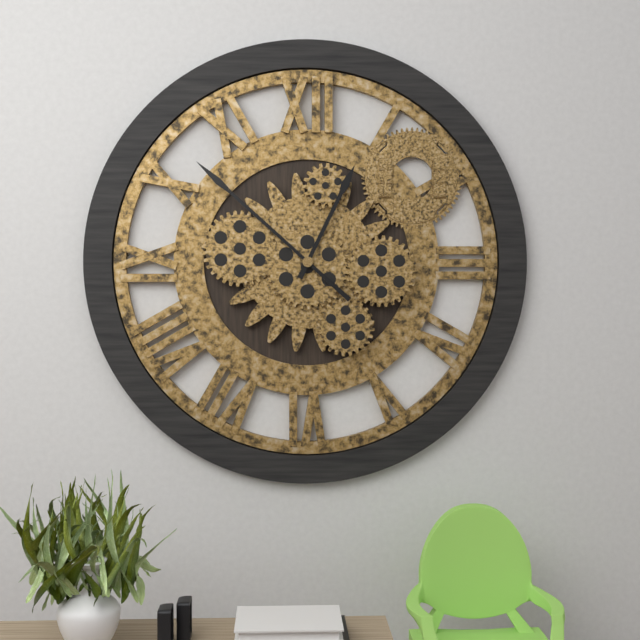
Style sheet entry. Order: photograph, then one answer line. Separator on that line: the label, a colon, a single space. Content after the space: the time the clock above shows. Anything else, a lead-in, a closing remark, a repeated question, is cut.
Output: 12:52
